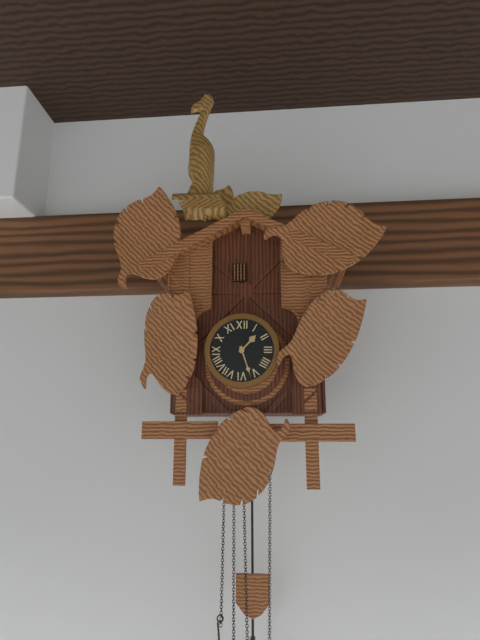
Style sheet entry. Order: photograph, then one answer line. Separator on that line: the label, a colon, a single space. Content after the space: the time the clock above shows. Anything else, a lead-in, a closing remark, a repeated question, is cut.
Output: 1:27
